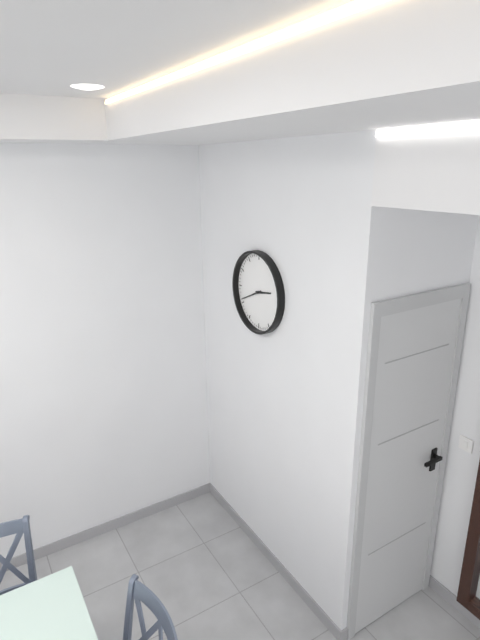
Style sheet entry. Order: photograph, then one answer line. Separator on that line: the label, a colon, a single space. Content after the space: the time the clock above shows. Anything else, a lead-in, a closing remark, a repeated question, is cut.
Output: 2:41
